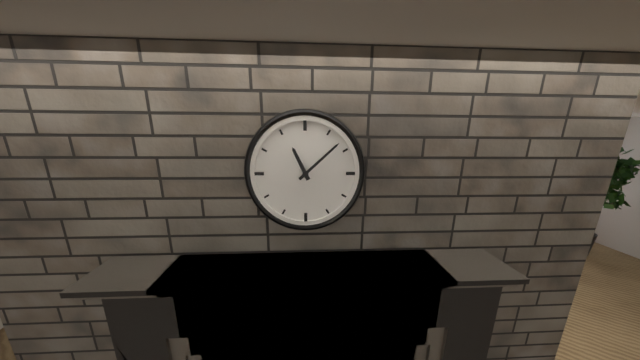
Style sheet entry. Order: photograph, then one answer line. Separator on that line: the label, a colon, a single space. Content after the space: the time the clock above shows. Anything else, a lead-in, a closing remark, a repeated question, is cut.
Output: 11:08
